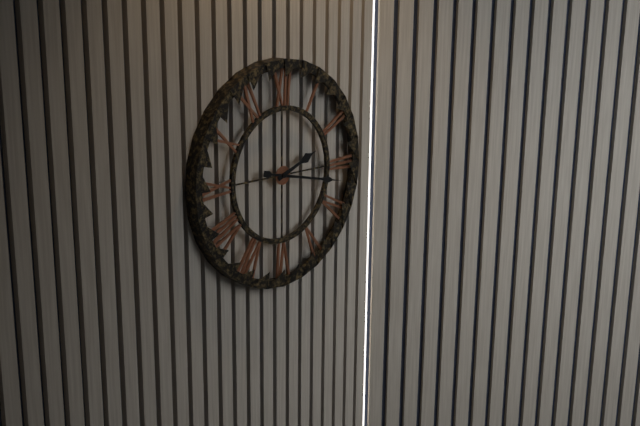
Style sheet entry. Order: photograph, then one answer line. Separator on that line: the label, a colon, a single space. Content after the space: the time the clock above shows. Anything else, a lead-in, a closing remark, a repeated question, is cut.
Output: 2:17
